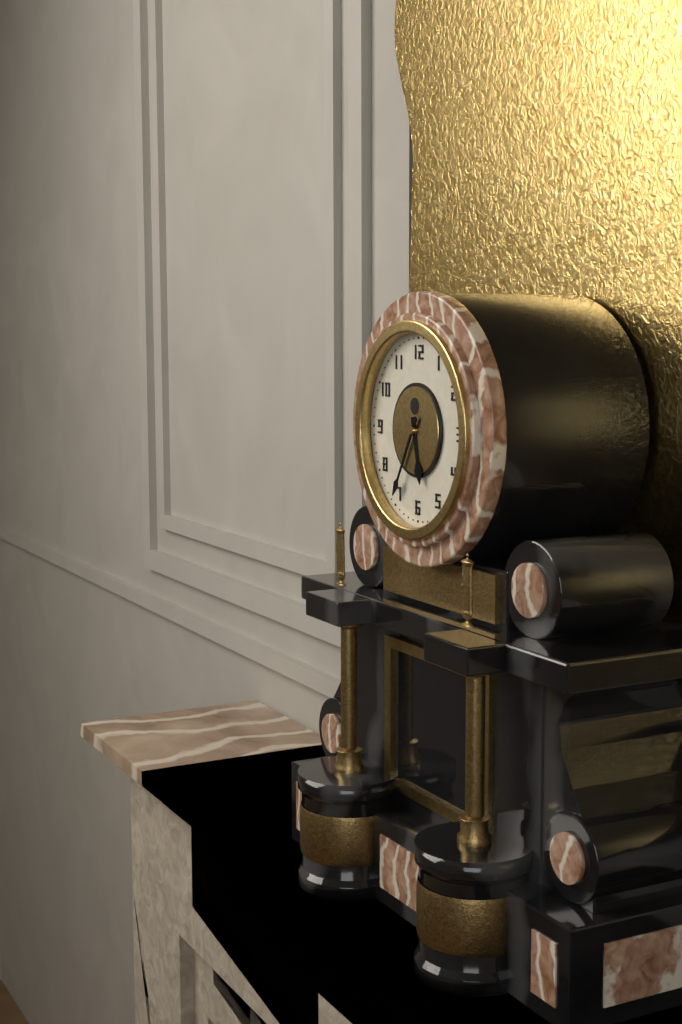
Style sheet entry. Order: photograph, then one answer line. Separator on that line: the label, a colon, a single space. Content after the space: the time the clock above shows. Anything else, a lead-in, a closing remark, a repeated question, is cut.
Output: 5:35
